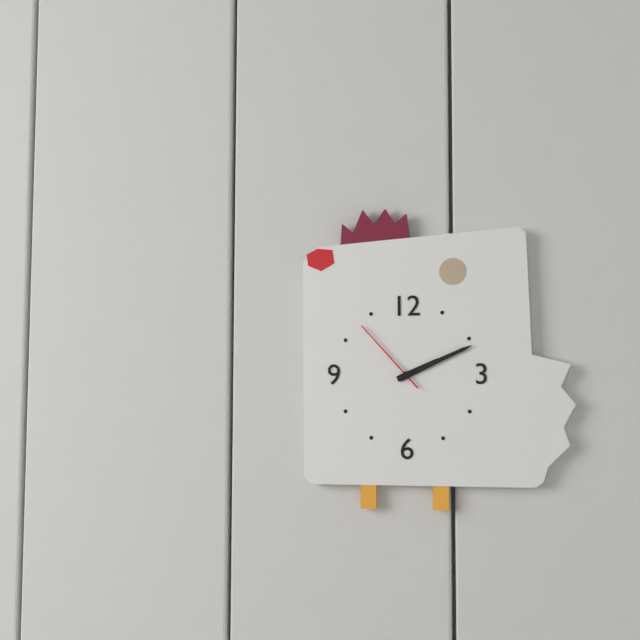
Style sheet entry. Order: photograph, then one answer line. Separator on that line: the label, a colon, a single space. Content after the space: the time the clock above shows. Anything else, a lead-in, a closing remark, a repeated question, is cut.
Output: 2:11:53
